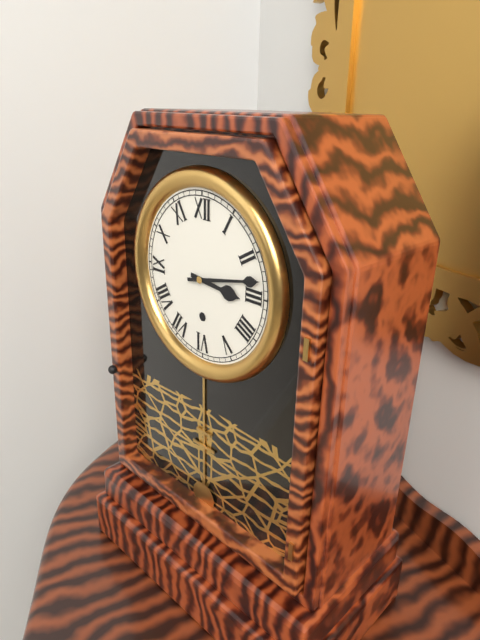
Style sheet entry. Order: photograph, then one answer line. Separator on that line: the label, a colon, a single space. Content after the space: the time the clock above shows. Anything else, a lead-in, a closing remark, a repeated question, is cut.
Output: 3:13
